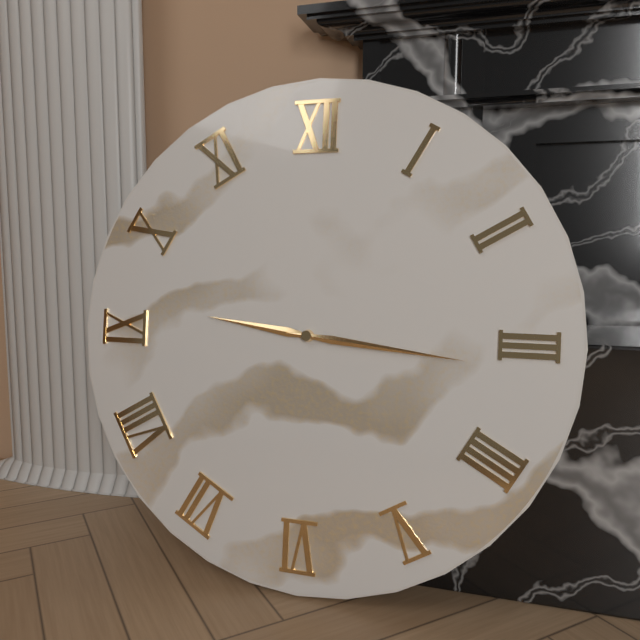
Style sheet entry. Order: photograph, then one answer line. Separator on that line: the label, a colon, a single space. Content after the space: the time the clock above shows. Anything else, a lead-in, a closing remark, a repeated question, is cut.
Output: 9:16
